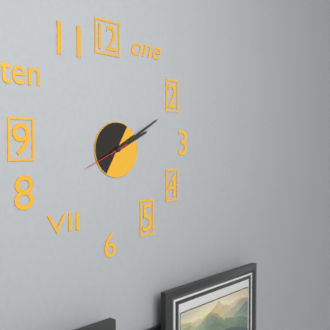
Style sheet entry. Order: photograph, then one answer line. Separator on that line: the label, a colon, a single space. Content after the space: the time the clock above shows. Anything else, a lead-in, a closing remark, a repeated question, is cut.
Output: 2:10
